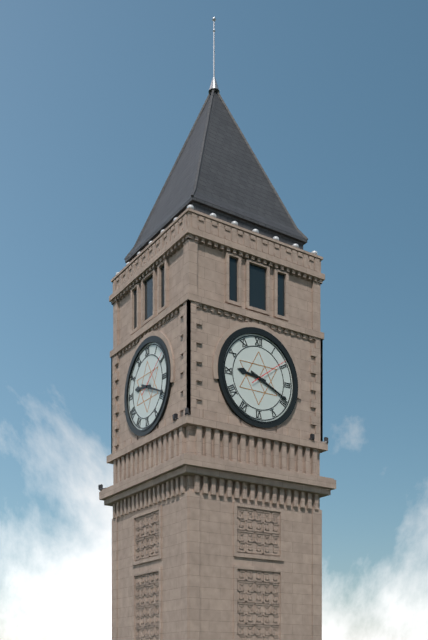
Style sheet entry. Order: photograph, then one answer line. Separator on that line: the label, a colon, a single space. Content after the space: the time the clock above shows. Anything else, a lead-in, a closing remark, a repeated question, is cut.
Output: 9:19
